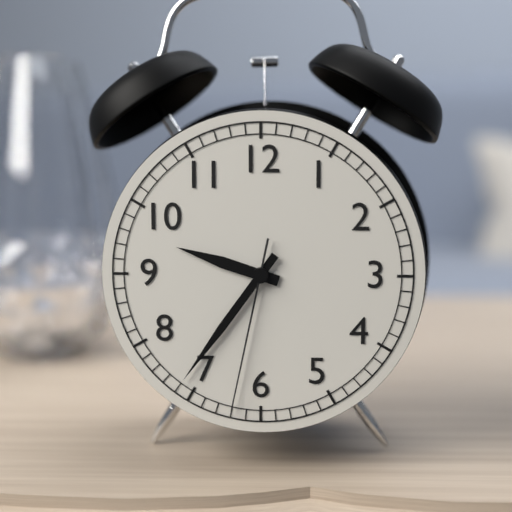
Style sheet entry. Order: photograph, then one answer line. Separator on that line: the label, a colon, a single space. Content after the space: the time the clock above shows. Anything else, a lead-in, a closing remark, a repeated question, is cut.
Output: 9:36:32
